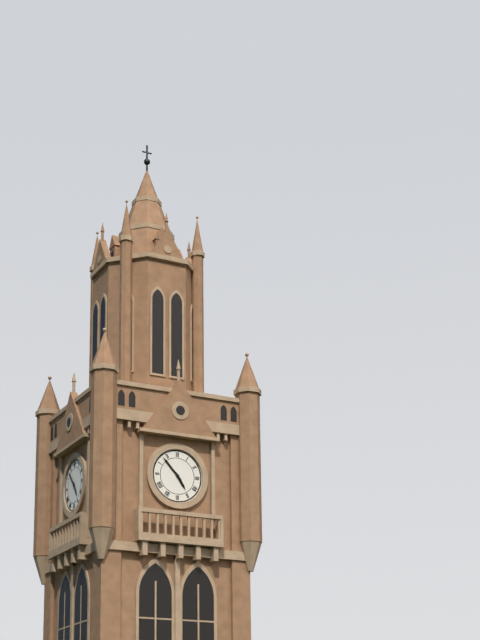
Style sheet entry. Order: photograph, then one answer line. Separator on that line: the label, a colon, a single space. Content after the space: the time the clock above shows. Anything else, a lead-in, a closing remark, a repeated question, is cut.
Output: 4:53
